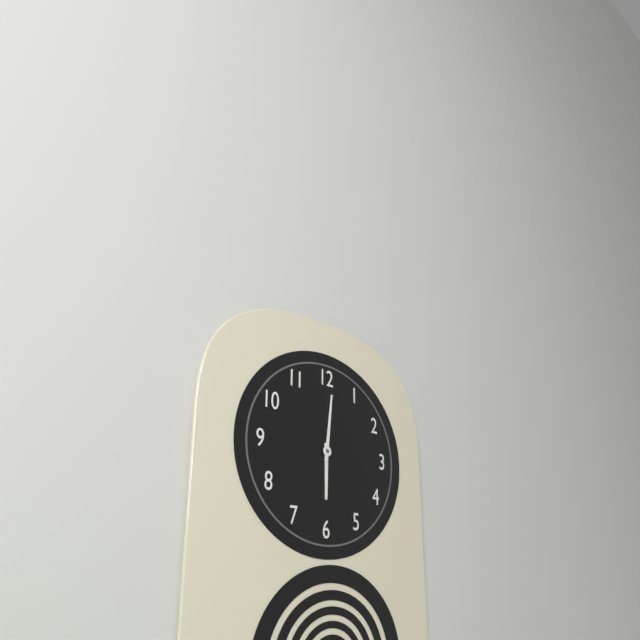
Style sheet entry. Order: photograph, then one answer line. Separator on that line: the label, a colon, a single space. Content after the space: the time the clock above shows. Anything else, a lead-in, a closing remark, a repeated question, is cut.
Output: 6:01
